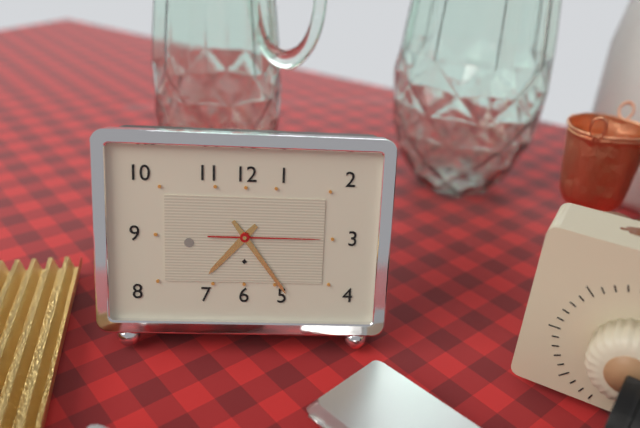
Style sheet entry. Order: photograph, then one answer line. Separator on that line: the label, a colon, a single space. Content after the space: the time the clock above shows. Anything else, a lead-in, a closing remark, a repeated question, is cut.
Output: 7:24:15
